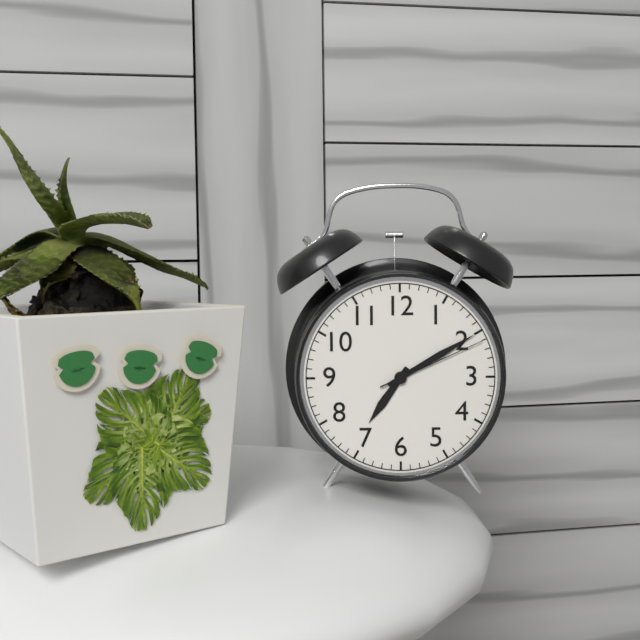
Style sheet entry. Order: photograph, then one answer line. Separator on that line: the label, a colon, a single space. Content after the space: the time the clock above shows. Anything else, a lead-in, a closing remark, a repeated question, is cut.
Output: 7:10:11
